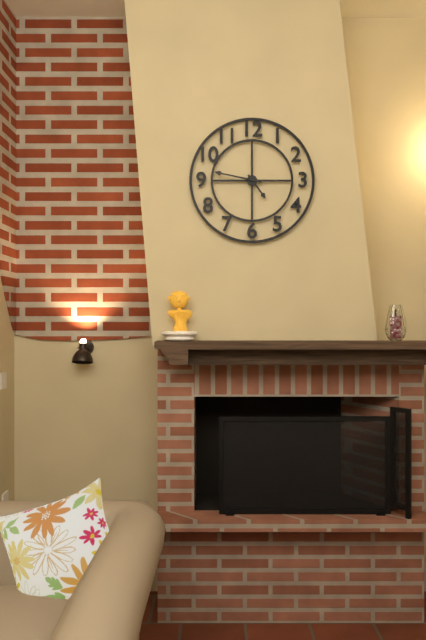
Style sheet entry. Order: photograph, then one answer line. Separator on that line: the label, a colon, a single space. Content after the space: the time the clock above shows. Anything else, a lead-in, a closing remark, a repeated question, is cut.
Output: 4:47
